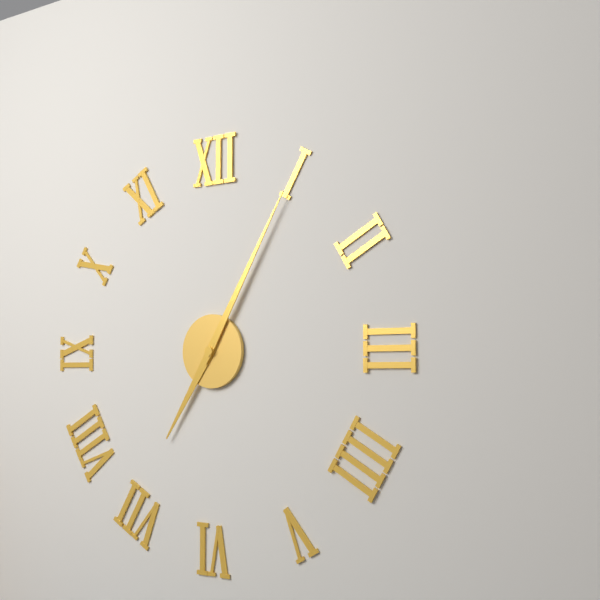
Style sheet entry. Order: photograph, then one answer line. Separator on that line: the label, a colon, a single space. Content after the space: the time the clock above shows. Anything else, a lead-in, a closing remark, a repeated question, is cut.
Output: 7:05
